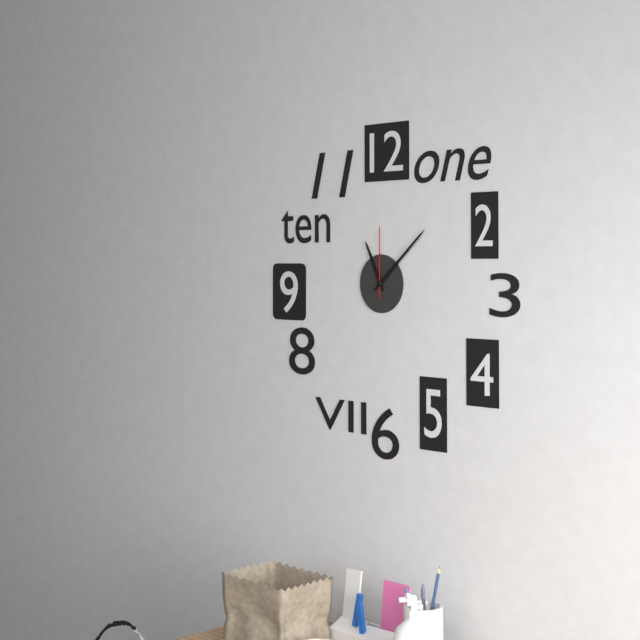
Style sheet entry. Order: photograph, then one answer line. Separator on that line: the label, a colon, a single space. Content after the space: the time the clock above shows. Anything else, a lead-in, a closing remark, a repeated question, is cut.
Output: 11:08:00
